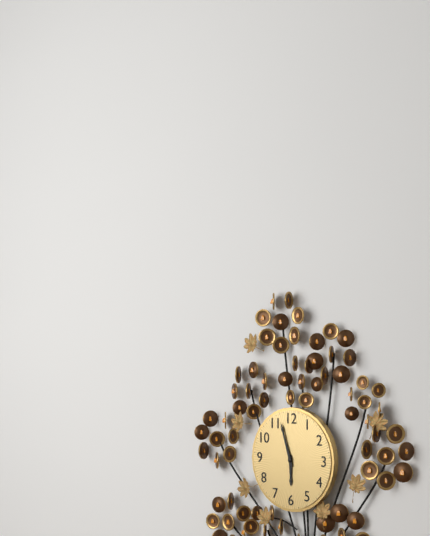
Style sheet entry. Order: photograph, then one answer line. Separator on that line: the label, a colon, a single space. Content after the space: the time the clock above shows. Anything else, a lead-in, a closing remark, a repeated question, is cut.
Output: 5:57
